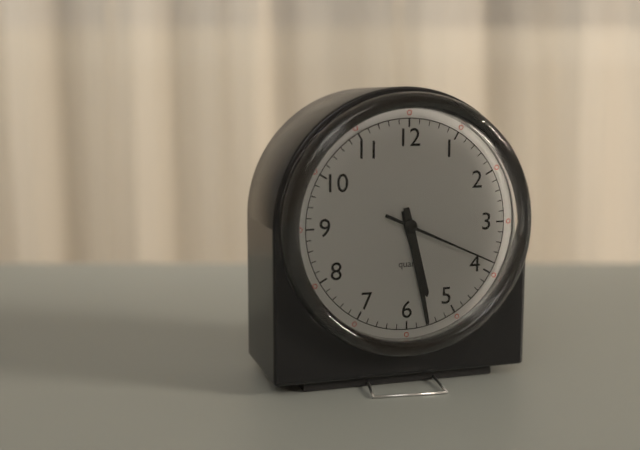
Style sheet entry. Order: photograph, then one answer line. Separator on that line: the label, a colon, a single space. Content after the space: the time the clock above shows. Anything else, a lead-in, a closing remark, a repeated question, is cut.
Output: 5:28:19
